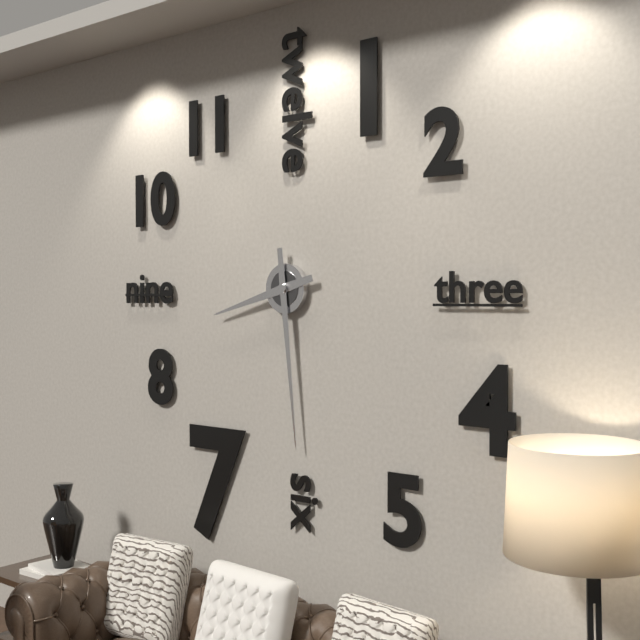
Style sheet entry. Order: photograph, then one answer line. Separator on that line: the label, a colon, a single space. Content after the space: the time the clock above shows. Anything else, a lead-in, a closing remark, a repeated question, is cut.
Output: 8:29
